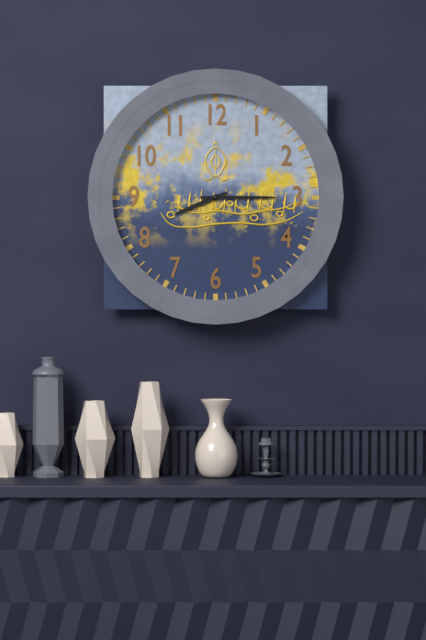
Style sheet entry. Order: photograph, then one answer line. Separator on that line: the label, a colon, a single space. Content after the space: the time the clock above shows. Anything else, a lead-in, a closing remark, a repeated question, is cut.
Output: 8:15
